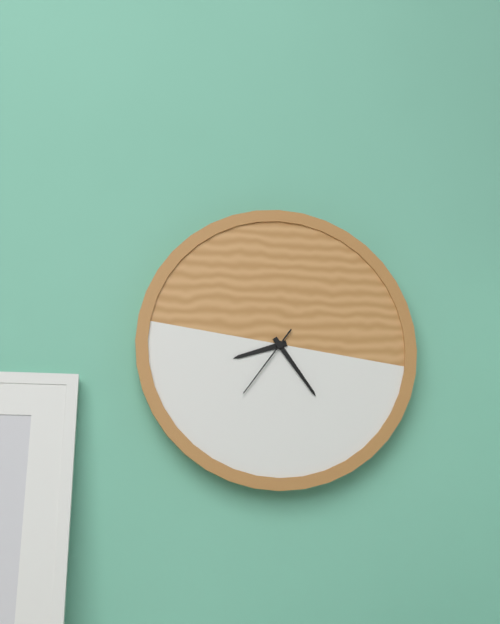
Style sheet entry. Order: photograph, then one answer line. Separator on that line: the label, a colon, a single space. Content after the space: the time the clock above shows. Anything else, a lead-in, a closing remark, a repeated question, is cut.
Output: 8:24:36
